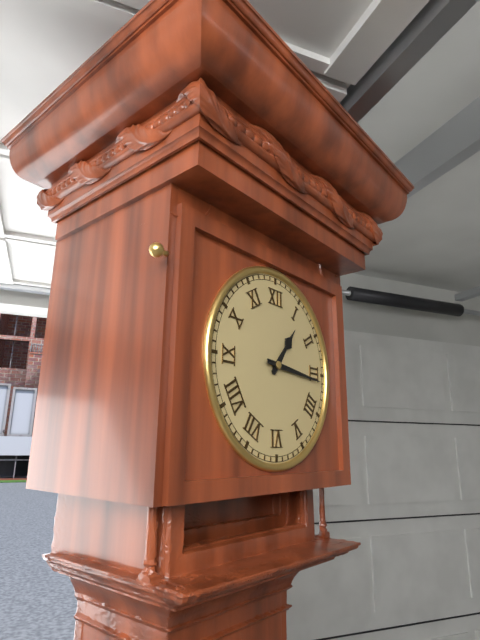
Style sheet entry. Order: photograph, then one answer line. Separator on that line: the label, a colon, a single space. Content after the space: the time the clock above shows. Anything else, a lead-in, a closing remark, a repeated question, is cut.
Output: 1:16
